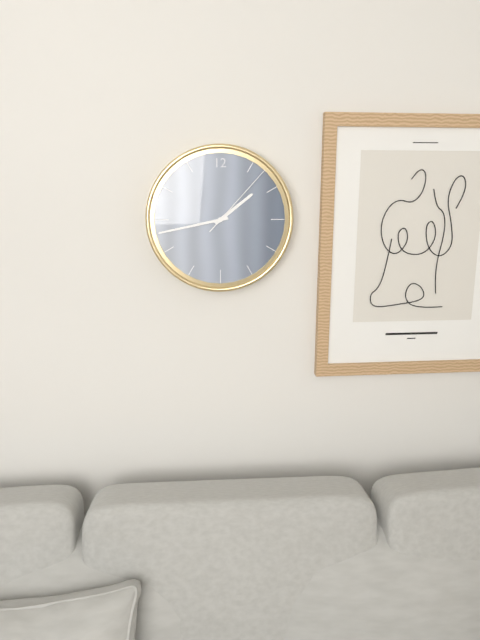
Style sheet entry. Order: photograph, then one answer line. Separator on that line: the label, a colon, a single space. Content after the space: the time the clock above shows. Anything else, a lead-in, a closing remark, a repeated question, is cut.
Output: 1:43:07
